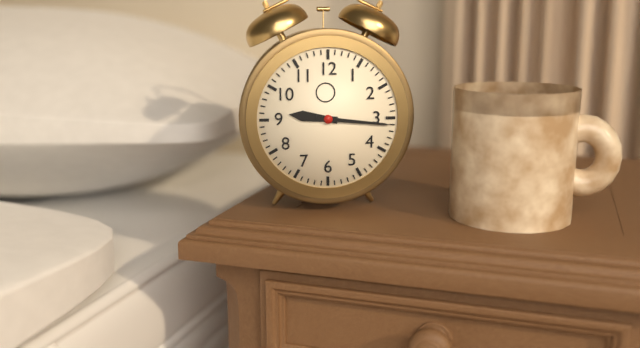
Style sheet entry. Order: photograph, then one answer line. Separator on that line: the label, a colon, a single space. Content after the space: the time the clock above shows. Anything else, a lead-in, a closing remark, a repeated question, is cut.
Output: 9:16
